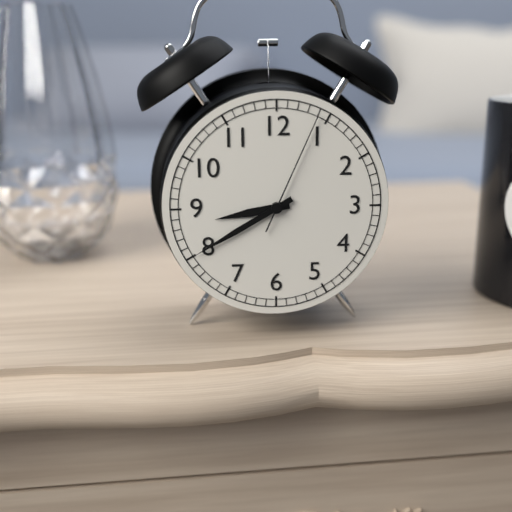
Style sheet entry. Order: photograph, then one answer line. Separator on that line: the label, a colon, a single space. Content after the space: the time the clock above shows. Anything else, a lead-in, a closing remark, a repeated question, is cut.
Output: 8:40:04
